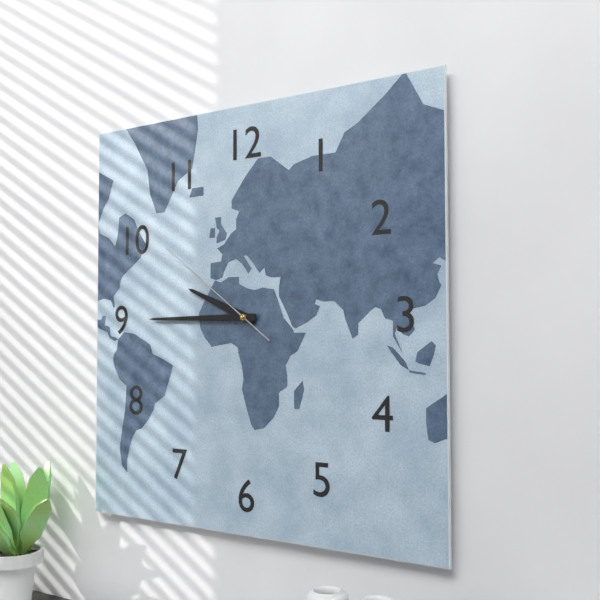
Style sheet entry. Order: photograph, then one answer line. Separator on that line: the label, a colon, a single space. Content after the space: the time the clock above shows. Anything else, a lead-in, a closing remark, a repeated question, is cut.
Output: 9:45:51
